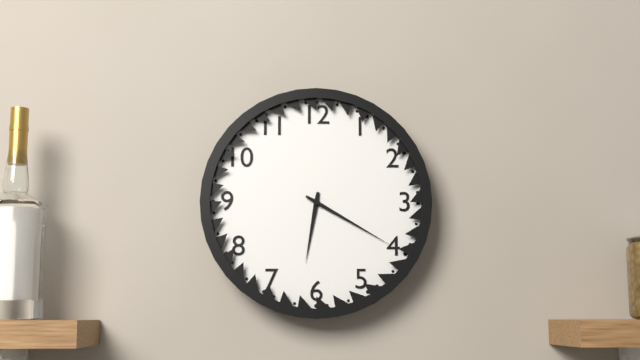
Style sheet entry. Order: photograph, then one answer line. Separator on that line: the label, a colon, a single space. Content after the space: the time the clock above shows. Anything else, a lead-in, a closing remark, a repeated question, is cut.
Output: 6:20
